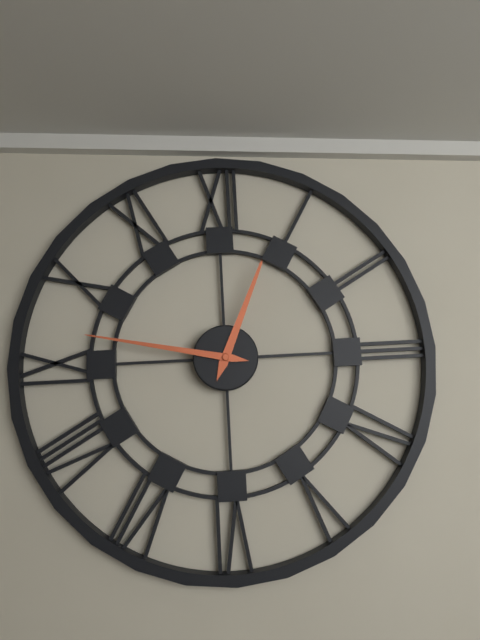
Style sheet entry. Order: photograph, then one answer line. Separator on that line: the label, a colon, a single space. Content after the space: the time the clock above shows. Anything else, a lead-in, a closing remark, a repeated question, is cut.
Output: 12:47
